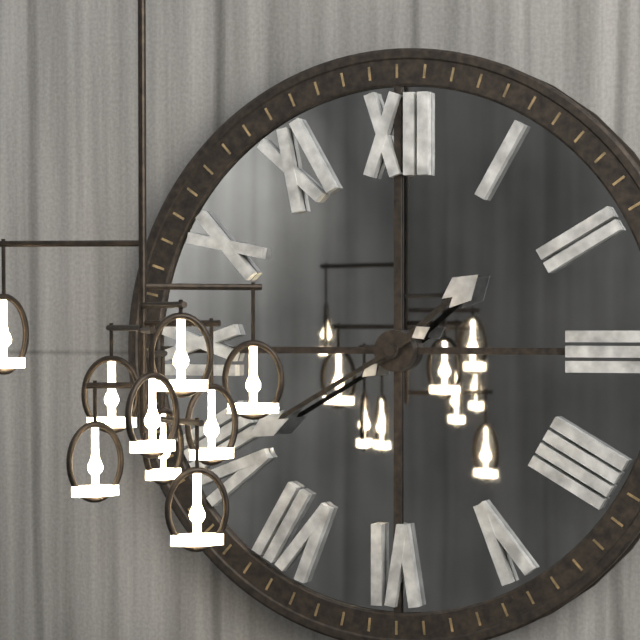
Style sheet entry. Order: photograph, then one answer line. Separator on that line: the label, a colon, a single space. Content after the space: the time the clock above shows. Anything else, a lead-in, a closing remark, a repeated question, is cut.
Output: 1:40
